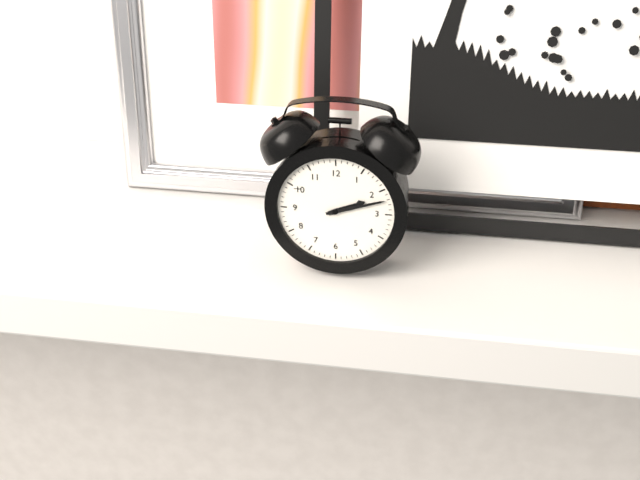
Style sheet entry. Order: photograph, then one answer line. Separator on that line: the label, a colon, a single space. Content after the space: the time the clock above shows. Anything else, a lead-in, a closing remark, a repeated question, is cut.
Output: 2:12
